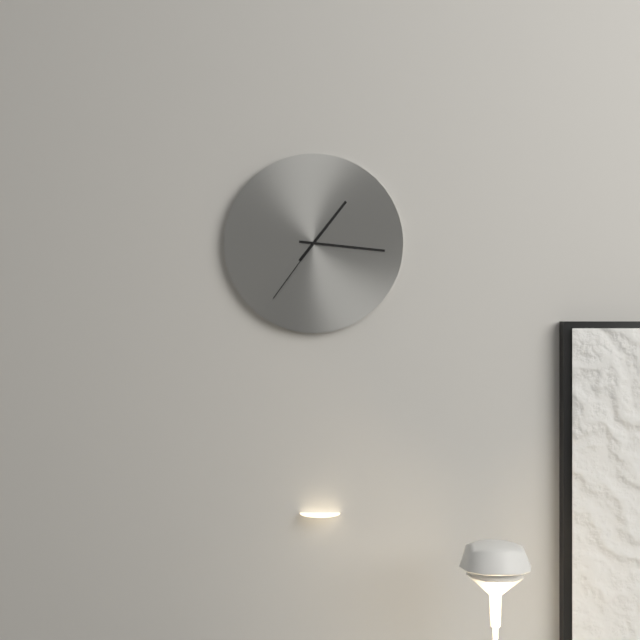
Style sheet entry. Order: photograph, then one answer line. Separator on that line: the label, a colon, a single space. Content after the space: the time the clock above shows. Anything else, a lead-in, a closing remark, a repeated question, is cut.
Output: 1:16:36
